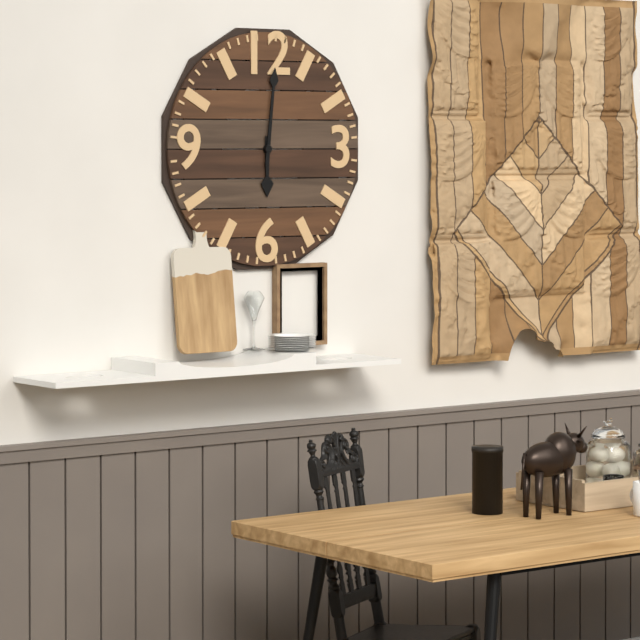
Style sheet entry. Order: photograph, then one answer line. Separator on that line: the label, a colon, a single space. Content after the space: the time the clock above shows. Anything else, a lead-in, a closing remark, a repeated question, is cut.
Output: 6:01
